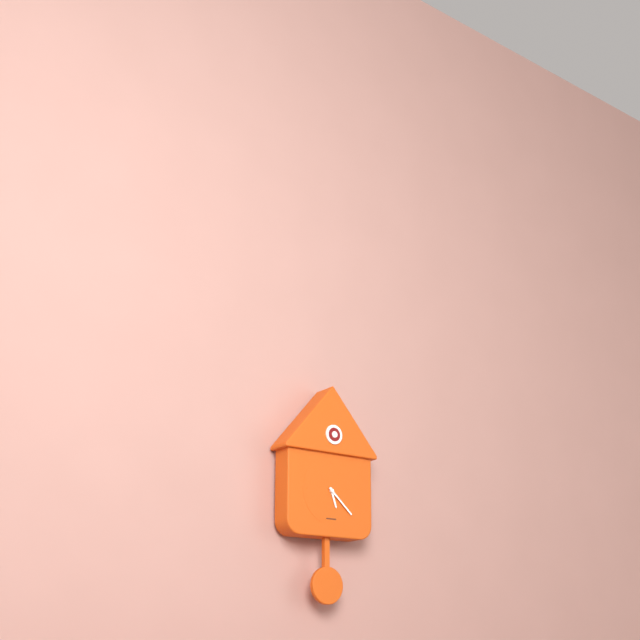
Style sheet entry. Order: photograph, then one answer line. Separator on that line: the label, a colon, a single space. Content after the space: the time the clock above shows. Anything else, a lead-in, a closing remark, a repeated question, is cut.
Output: 5:22
